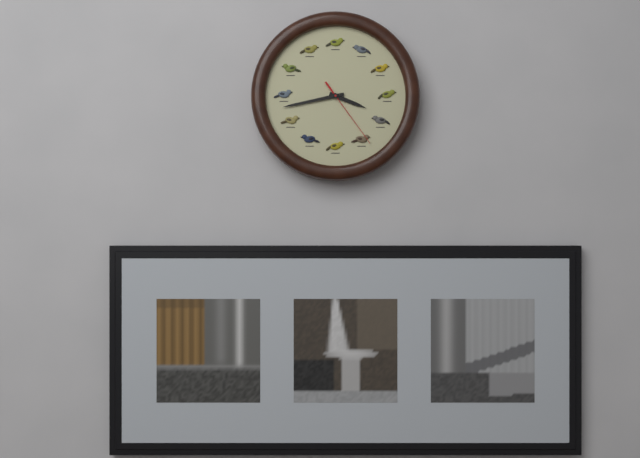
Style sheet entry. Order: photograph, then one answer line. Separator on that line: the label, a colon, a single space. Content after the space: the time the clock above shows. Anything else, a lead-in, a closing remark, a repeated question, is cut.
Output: 3:43:24
